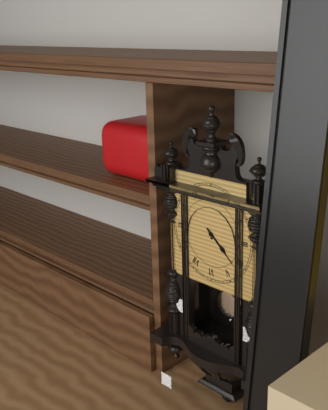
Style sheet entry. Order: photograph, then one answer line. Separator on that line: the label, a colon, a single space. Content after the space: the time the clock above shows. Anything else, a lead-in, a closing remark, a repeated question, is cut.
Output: 4:22
